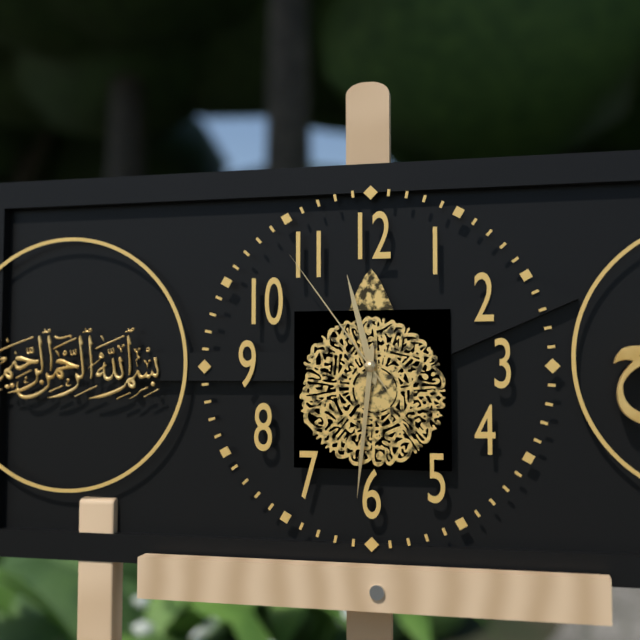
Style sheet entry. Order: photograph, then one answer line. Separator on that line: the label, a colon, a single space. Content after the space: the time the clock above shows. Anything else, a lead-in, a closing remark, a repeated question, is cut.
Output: 11:31:54
